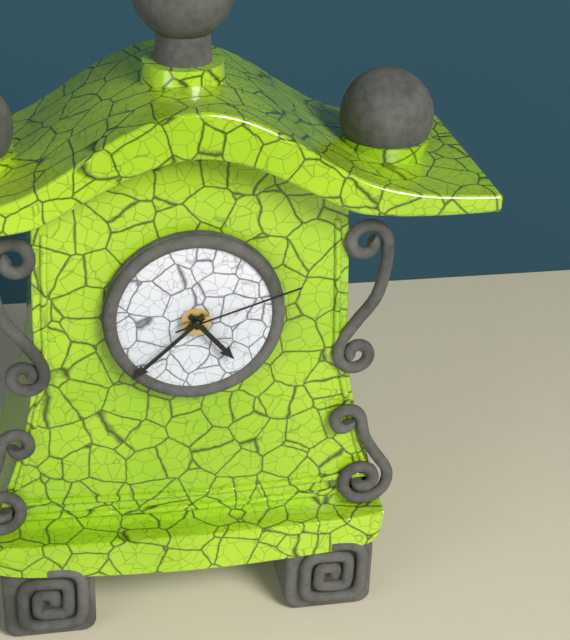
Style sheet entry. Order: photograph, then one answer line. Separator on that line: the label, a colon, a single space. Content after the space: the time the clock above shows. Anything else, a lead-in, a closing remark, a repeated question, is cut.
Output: 4:38:12
